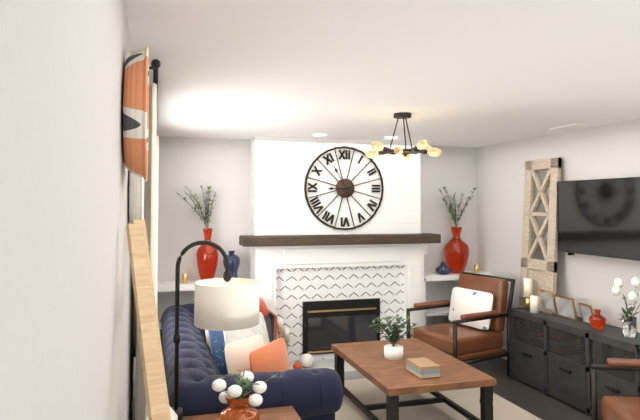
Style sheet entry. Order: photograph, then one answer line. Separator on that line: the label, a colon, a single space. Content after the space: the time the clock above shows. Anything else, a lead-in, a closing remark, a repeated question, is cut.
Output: 8:55
